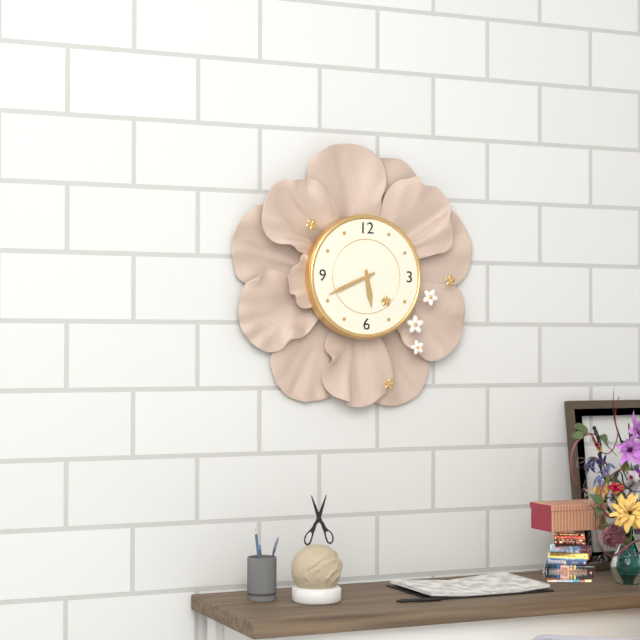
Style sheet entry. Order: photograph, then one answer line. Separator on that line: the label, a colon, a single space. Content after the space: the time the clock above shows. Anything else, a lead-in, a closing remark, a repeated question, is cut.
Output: 5:41
